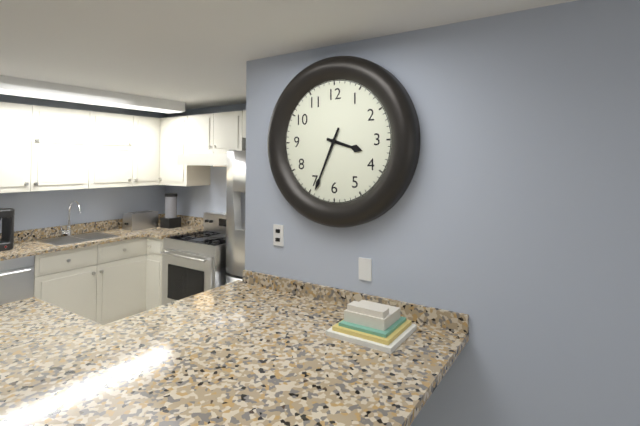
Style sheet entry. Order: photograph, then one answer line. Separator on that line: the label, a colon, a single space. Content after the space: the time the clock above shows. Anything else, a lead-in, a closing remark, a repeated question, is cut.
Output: 3:34
